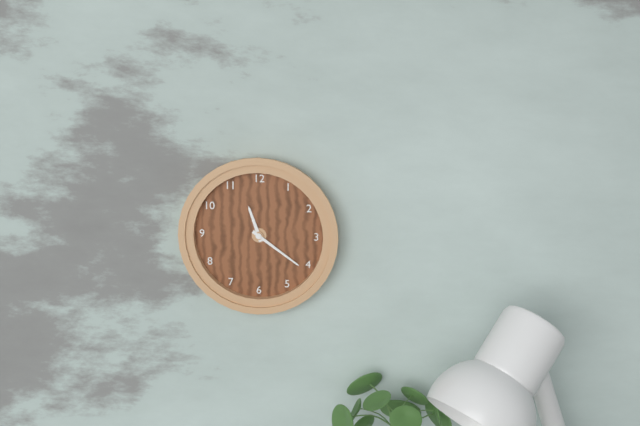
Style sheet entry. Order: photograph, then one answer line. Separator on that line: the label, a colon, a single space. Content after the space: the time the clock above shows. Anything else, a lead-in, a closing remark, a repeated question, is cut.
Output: 11:21
